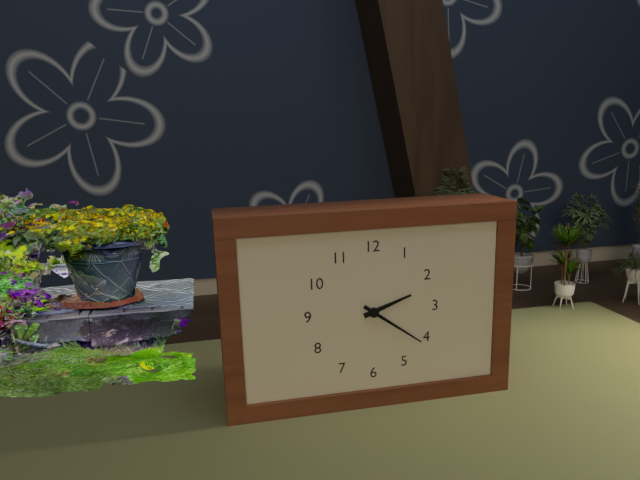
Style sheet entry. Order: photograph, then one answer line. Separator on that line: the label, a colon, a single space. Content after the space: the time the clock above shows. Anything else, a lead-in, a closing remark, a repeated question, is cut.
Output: 2:21
